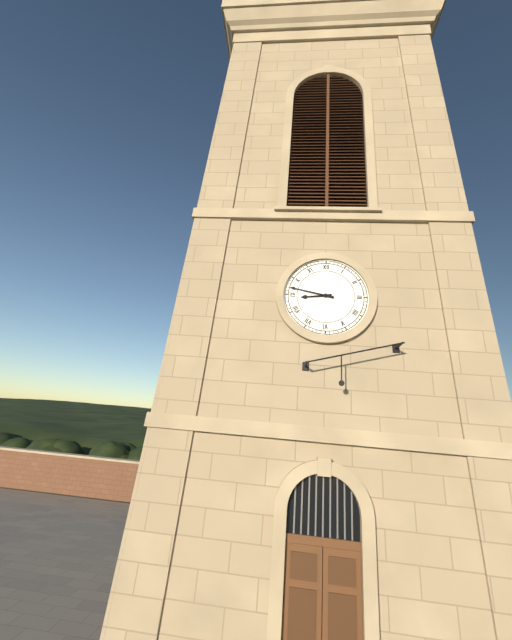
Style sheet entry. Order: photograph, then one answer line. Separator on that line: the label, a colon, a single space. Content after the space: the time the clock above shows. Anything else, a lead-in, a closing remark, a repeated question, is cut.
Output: 8:47
